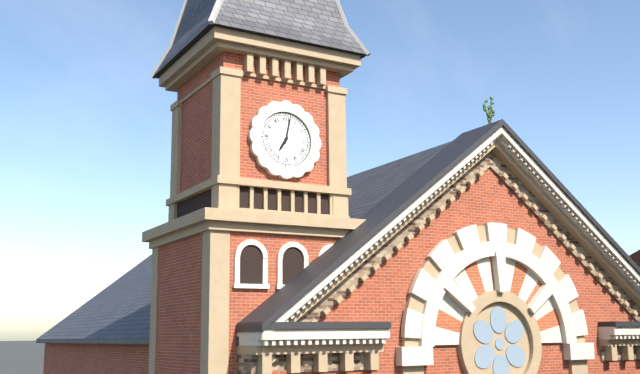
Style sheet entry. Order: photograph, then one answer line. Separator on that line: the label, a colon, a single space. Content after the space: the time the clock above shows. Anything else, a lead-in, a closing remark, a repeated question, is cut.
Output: 7:02
